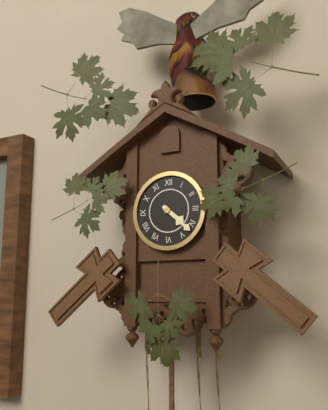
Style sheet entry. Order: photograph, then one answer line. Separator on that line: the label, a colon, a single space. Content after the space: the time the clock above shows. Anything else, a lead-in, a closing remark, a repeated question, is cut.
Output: 4:22
